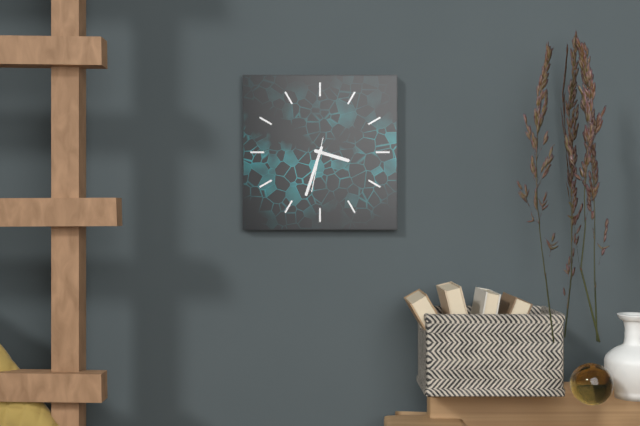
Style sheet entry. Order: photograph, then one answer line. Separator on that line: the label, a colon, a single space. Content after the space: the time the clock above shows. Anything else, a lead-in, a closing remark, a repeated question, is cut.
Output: 3:33:32
